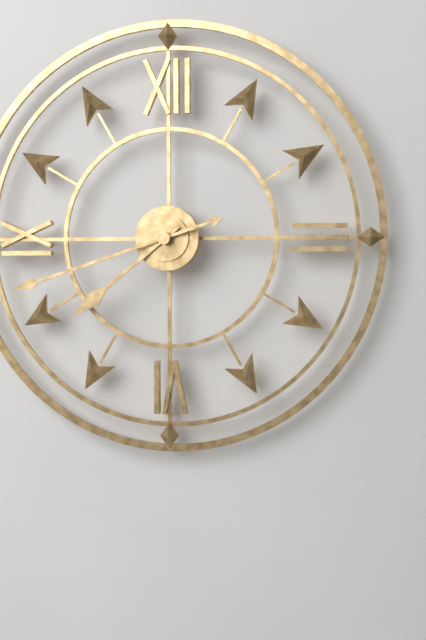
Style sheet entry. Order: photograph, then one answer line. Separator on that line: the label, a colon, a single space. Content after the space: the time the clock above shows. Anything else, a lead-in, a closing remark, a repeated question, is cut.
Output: 7:42
